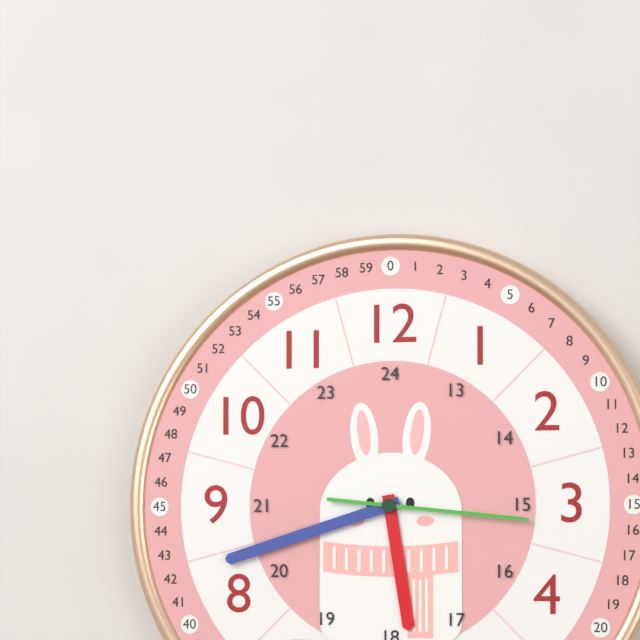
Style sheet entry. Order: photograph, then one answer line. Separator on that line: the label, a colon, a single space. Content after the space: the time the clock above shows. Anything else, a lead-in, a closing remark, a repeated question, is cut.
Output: 5:42:16
